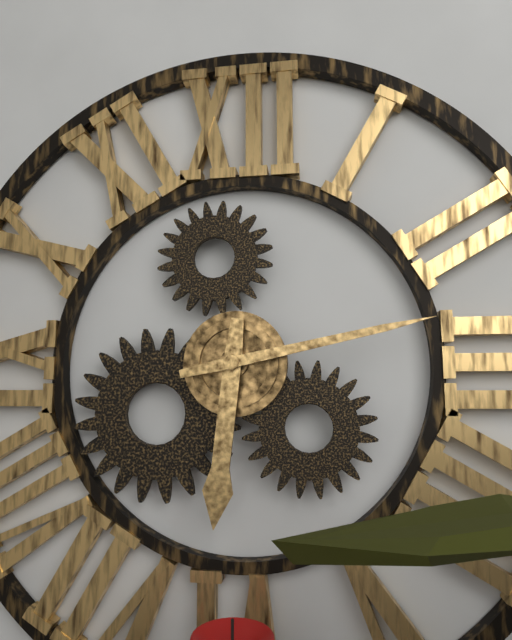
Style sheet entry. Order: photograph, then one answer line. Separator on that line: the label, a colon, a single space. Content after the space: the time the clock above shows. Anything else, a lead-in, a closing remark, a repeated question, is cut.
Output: 6:13
